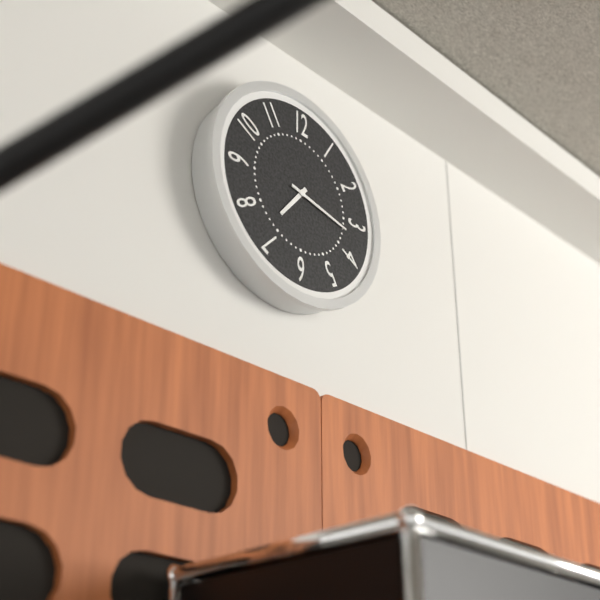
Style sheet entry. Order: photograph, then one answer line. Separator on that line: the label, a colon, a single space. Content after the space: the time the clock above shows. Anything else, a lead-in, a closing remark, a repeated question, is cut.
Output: 7:17
